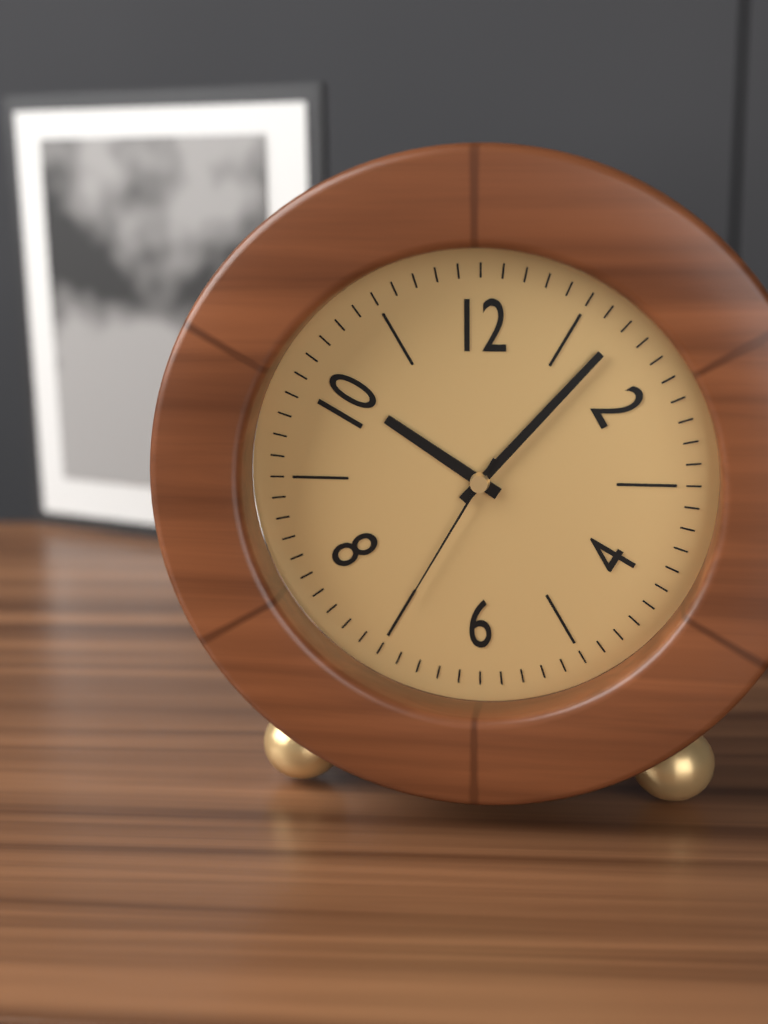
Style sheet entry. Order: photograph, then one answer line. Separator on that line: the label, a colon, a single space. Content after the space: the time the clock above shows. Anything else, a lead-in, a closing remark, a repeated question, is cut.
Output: 10:07:35
